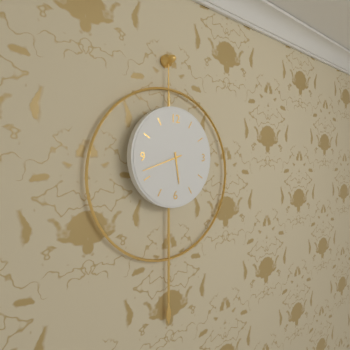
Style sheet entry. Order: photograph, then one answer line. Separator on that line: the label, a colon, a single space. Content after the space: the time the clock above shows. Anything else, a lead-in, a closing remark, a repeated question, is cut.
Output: 5:42
